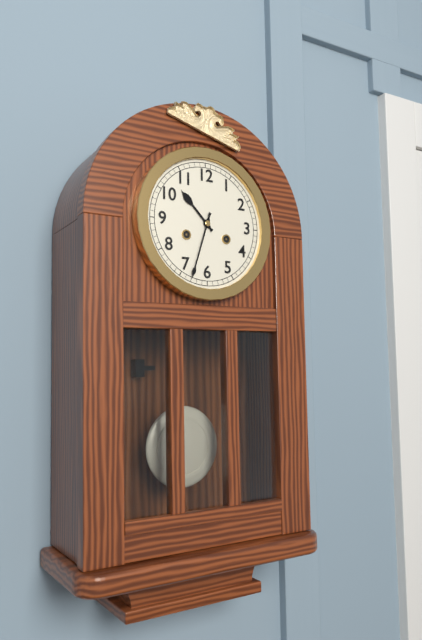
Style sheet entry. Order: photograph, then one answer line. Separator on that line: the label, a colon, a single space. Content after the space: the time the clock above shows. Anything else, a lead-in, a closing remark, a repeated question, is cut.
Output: 10:33
